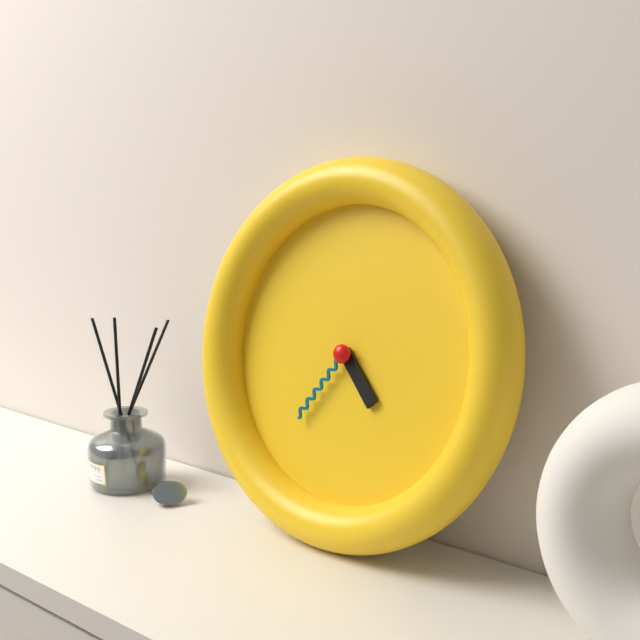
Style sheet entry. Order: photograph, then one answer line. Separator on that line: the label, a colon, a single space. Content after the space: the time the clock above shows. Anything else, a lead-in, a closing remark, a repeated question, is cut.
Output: 4:36
